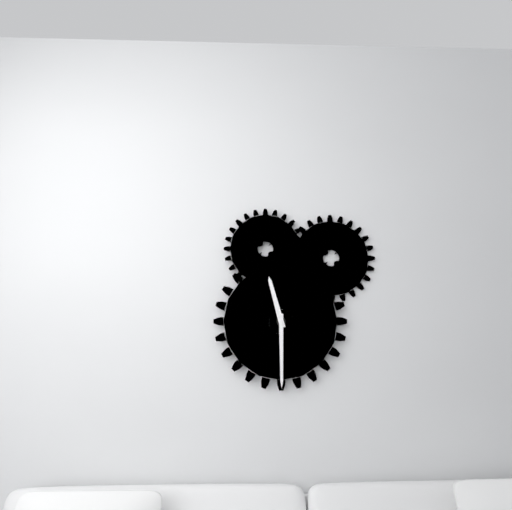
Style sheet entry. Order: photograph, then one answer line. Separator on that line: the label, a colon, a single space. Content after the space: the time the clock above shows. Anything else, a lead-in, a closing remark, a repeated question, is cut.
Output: 11:30
